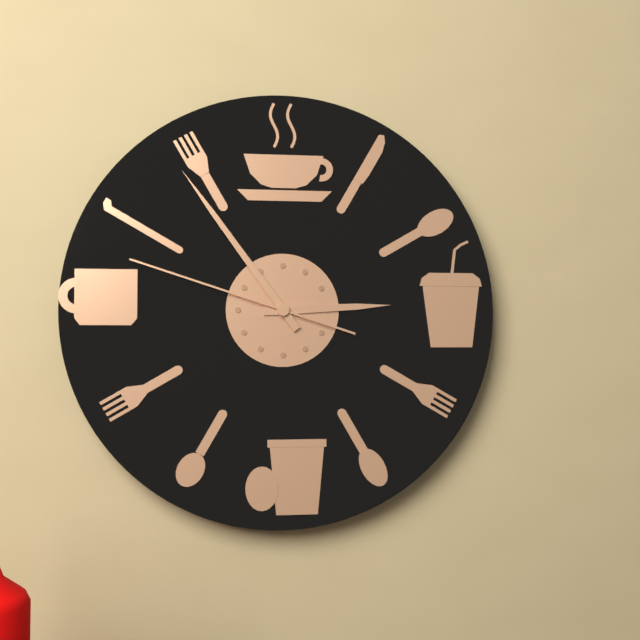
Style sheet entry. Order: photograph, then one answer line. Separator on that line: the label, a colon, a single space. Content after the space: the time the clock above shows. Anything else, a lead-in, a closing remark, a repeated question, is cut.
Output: 2:54:48
